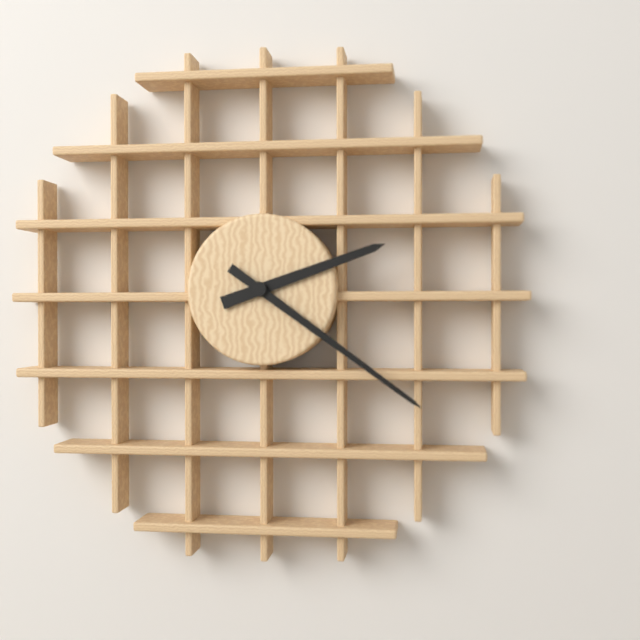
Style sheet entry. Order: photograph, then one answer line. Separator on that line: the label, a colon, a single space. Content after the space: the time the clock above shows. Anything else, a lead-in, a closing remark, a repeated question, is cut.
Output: 2:21
